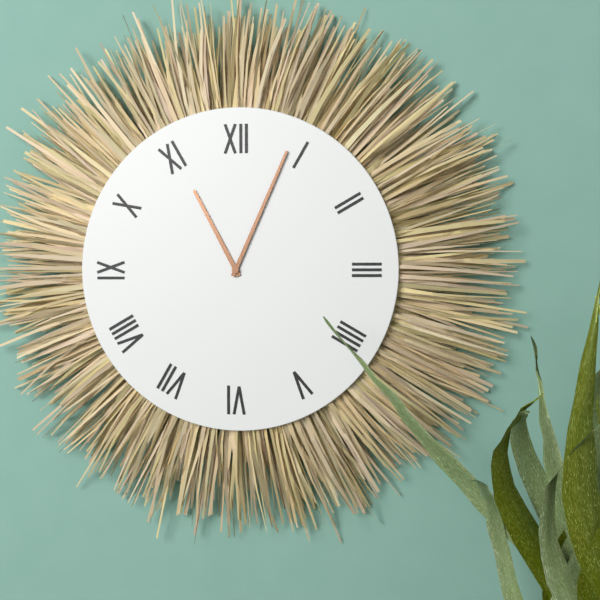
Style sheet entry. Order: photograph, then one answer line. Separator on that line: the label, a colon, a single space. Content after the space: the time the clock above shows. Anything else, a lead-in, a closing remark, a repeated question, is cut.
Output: 11:04
